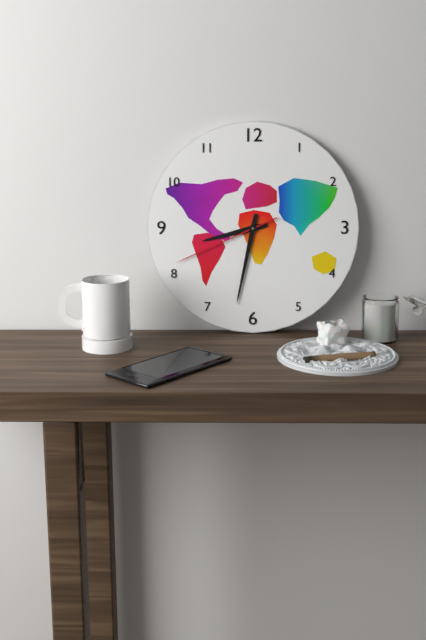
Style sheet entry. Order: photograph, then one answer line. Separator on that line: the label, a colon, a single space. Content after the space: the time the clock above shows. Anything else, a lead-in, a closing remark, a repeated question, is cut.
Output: 8:32:41
